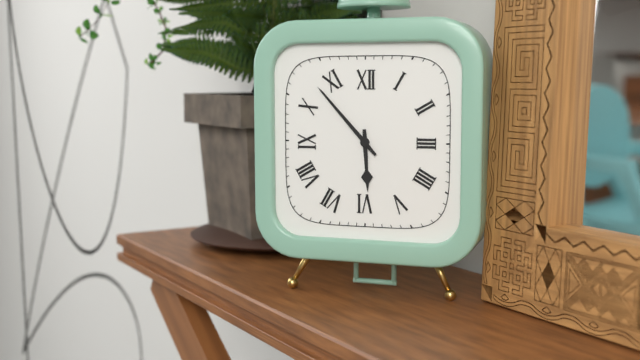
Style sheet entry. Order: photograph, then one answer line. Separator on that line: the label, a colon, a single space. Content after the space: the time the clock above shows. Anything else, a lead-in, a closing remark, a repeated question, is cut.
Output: 5:53
